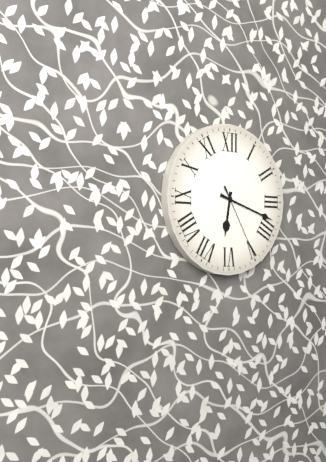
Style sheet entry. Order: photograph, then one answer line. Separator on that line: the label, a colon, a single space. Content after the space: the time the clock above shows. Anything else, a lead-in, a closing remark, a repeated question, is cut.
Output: 6:18:25
